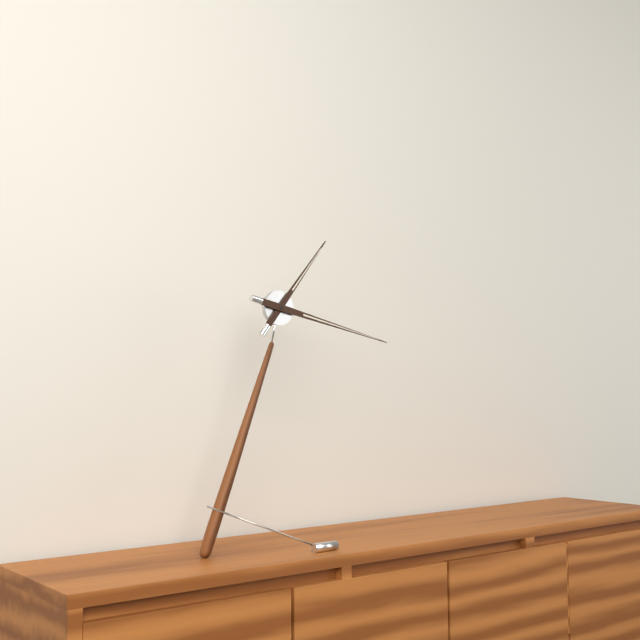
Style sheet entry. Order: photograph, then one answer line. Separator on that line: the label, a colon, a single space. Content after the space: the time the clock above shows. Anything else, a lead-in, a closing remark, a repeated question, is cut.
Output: 1:17
